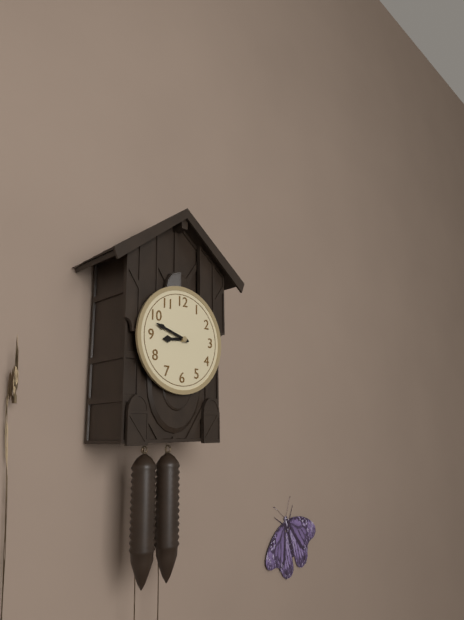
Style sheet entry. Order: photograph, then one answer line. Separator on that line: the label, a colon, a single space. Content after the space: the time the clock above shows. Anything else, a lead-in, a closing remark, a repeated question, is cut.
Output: 8:48
